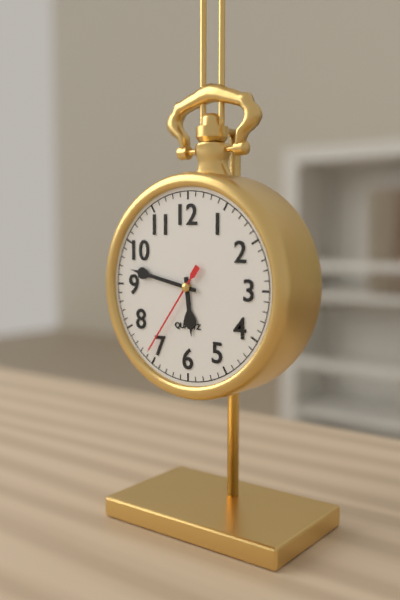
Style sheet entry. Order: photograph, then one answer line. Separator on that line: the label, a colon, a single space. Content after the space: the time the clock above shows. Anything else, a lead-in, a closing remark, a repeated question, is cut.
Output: 5:47:36
